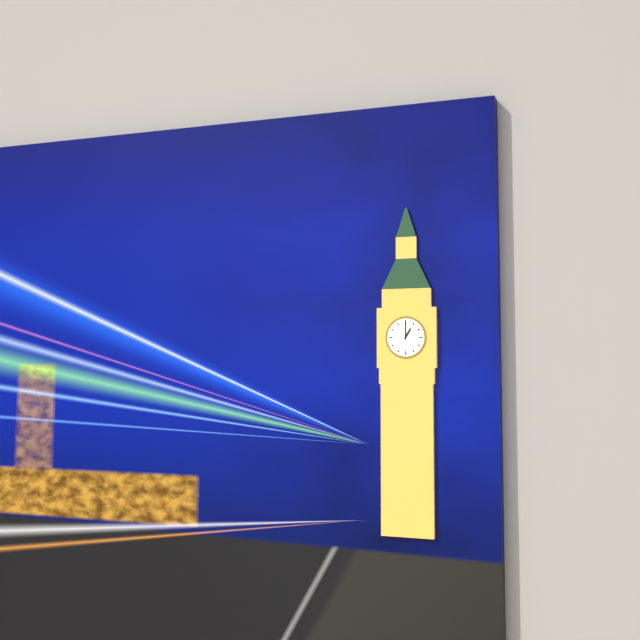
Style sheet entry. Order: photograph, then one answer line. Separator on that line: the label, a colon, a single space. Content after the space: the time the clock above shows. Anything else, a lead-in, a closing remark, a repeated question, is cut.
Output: 1:00
